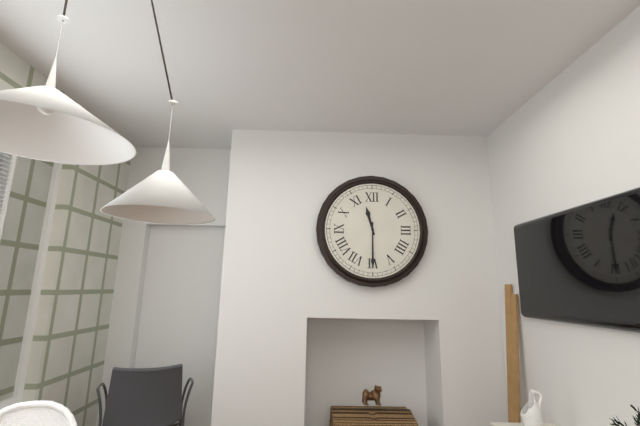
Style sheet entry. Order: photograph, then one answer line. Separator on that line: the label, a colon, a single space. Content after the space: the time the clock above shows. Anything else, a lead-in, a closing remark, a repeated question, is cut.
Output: 11:30
